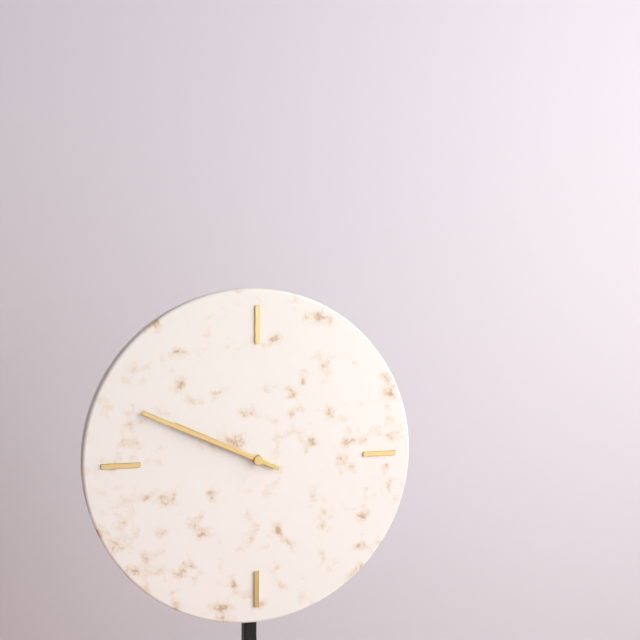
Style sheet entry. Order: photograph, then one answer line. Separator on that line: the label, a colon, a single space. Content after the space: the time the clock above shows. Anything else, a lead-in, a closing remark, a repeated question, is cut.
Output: 9:49
